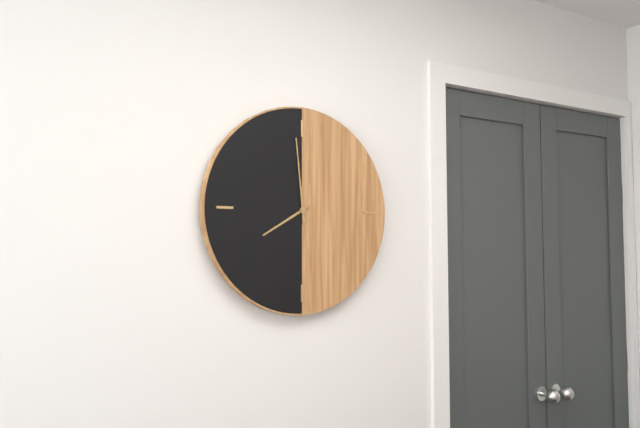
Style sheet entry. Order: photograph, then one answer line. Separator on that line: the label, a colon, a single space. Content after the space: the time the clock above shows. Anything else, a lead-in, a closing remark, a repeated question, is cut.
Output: 7:59
